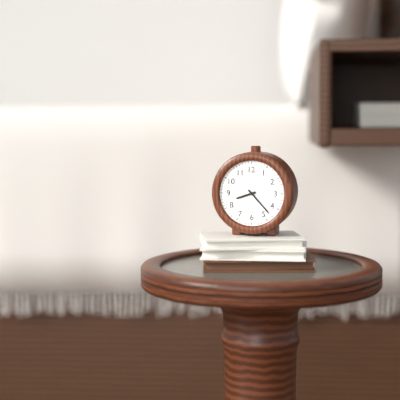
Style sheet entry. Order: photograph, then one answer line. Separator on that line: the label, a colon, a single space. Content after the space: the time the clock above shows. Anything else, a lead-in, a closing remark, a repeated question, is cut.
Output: 8:23
